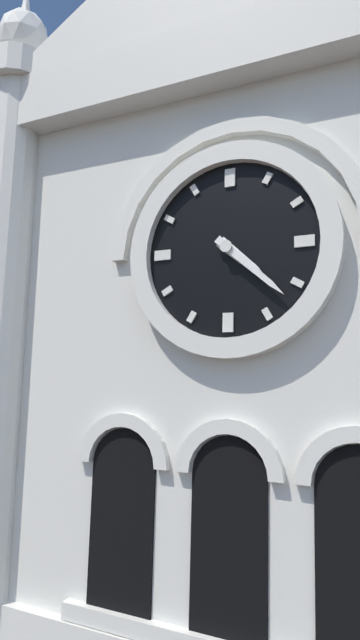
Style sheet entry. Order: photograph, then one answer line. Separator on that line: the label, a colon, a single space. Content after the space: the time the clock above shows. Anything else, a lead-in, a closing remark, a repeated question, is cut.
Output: 4:22
